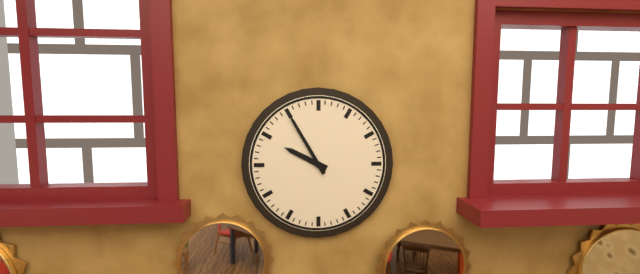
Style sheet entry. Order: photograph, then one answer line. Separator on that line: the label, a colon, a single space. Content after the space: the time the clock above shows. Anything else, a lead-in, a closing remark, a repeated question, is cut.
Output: 9:55
